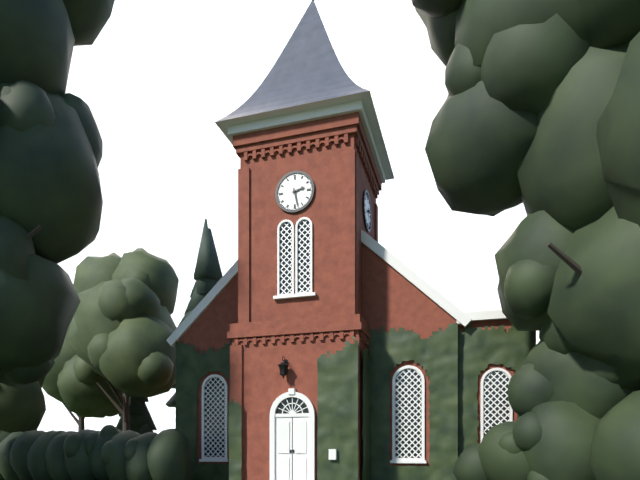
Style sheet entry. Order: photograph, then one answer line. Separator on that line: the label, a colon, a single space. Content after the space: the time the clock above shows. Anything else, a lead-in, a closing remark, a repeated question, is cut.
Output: 2:28
